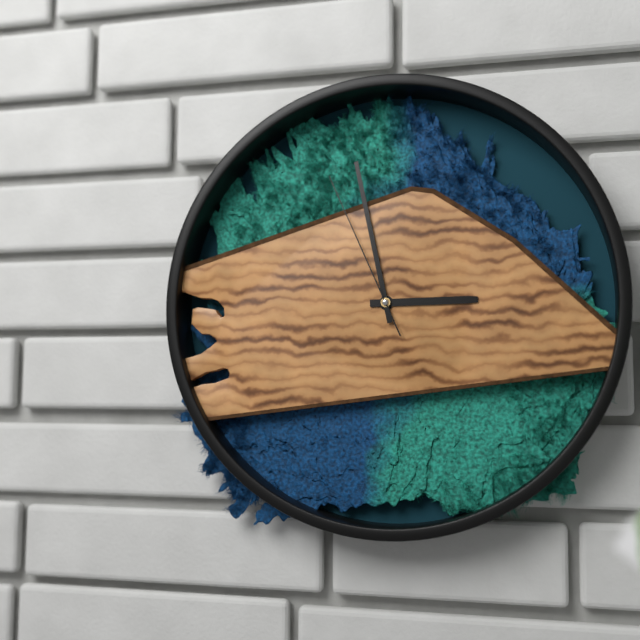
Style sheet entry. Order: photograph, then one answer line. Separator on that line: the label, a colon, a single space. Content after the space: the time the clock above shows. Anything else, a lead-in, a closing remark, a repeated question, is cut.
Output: 2:58:56
